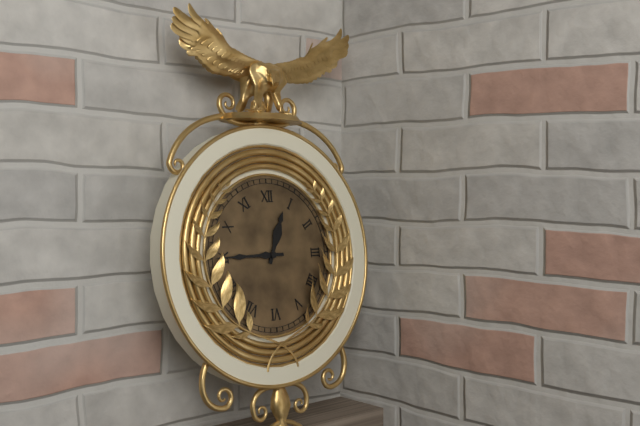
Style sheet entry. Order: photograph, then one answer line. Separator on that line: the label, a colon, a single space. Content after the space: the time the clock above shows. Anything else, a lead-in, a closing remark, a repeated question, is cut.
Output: 12:45
